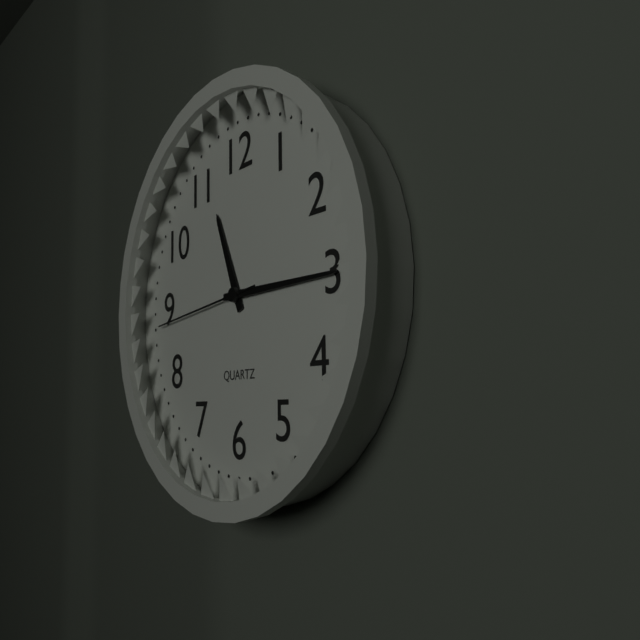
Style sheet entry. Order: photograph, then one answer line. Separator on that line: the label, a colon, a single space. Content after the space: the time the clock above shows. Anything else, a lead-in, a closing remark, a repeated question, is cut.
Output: 11:15:44
